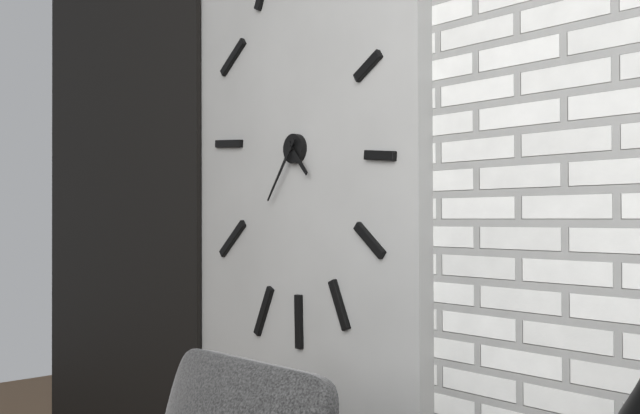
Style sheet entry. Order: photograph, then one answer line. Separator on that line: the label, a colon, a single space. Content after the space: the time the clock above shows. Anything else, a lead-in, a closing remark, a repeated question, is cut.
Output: 4:36
